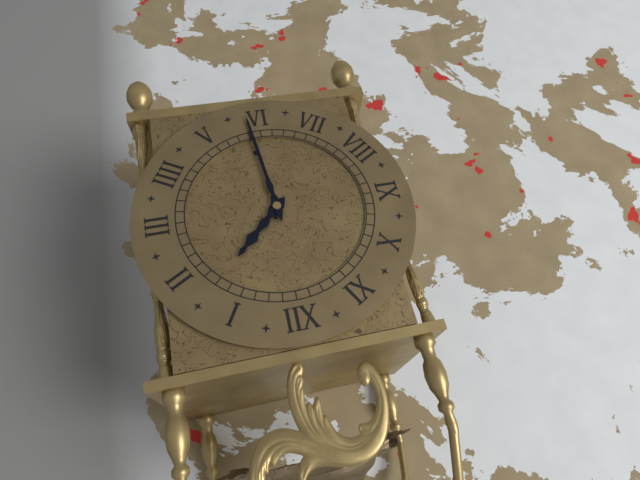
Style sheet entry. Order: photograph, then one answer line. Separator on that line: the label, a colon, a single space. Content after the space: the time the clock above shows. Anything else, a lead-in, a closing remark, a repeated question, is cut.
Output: 1:29
